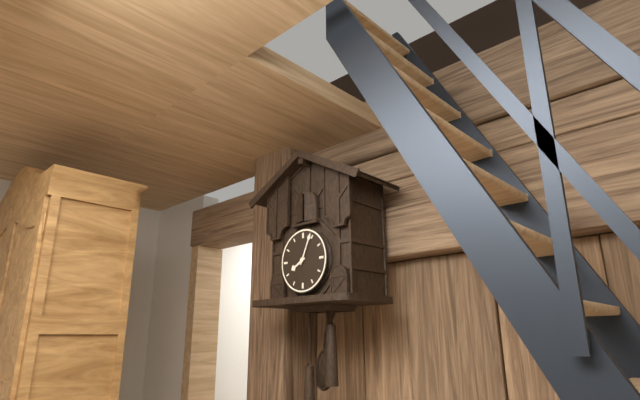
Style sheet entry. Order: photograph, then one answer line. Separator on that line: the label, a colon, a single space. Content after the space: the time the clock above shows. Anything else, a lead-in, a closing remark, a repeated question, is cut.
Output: 8:04
